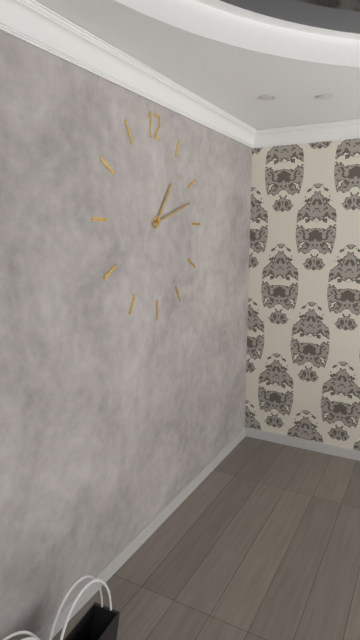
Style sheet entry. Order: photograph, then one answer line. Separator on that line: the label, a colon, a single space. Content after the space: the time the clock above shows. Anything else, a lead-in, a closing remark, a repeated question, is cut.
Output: 1:12
